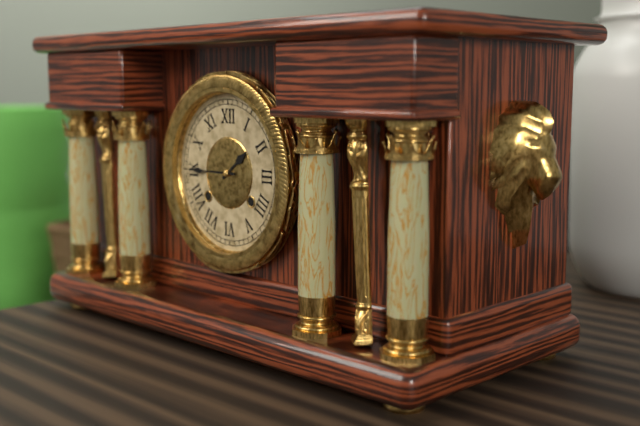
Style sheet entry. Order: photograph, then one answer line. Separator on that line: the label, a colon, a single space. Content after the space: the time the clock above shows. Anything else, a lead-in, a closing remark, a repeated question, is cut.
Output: 1:45
